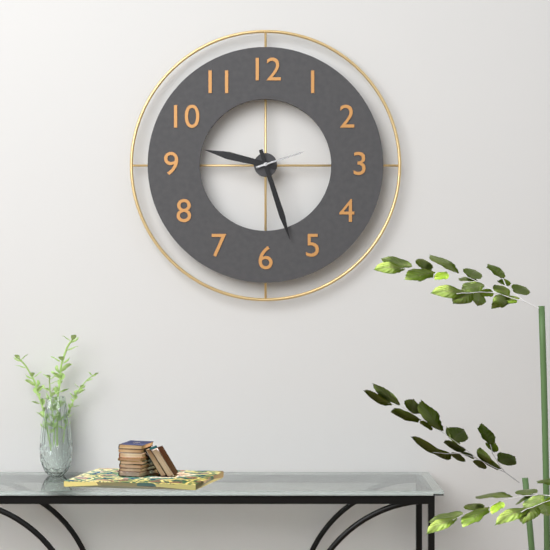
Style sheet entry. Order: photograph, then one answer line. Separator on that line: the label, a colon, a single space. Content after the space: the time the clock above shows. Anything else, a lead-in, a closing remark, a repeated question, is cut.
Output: 9:27:12
